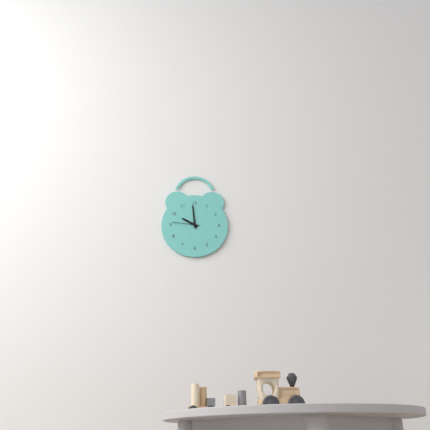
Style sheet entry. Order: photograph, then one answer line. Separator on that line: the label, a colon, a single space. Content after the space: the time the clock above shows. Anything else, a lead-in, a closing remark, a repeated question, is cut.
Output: 9:59
